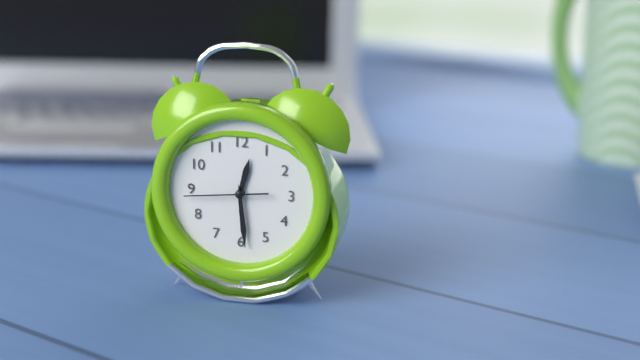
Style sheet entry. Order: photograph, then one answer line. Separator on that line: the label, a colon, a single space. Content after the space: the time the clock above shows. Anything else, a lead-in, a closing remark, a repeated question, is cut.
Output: 12:29:44
